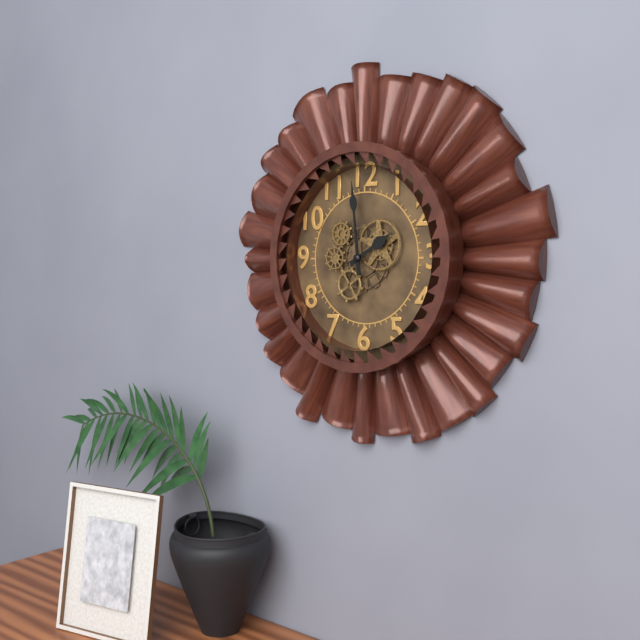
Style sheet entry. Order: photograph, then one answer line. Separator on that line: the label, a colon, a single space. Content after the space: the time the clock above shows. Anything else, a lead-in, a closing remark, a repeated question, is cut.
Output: 1:59
